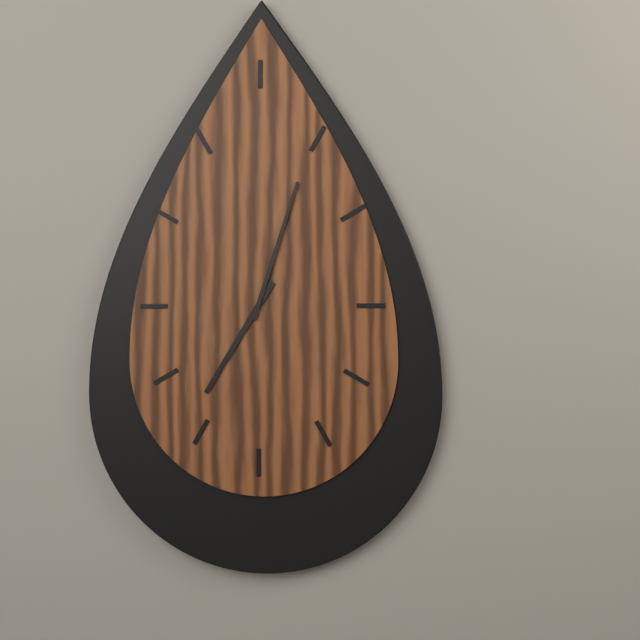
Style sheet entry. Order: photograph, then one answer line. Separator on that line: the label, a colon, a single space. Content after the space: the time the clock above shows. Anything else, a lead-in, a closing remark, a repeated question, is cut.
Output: 7:03
